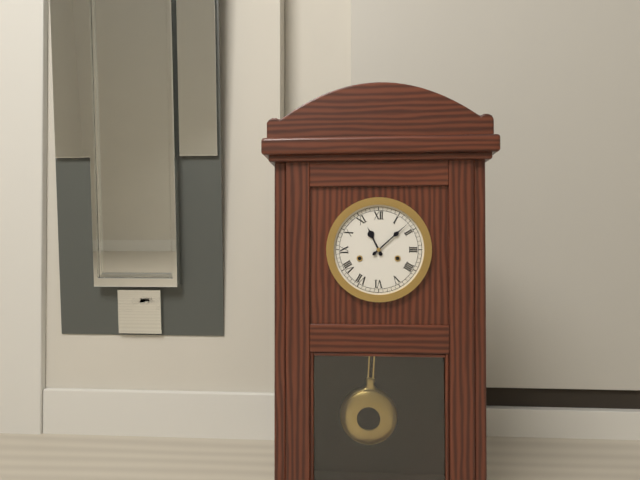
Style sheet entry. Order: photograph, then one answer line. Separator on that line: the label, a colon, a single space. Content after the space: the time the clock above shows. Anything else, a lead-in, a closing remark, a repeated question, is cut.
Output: 11:08
